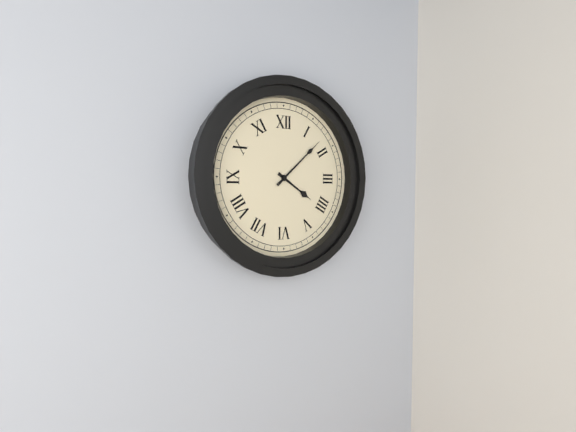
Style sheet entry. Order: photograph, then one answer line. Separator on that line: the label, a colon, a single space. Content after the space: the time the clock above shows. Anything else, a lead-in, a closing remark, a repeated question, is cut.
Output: 4:08
